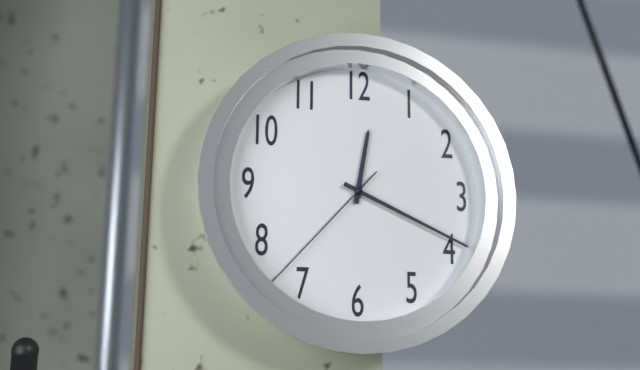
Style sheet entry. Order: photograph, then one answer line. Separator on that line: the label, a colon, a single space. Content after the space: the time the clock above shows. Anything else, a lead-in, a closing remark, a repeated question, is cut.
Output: 12:19:37
